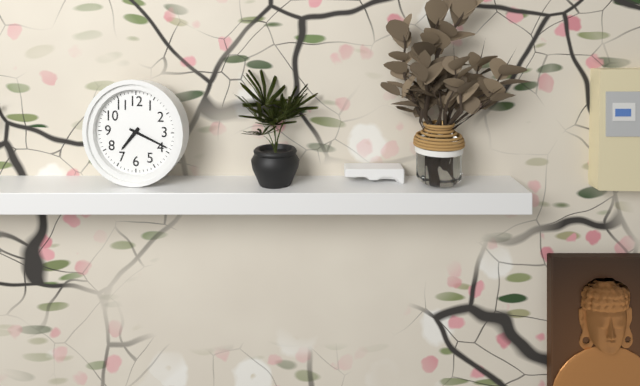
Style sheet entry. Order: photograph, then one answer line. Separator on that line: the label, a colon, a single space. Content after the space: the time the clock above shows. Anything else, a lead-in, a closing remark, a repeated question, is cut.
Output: 7:19
